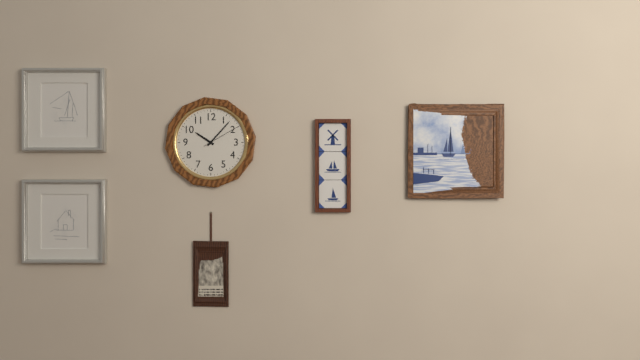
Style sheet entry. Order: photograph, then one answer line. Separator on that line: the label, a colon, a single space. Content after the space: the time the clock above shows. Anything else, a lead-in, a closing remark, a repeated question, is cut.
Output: 10:07
